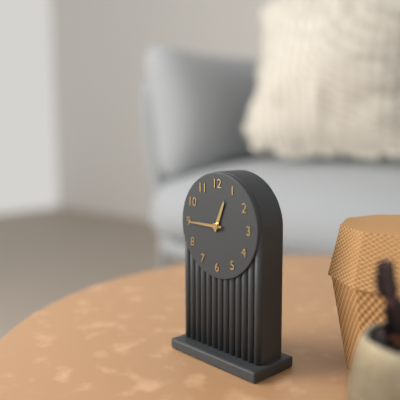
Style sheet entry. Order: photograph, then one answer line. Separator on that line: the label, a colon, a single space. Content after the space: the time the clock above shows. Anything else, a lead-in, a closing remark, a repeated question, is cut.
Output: 12:45
